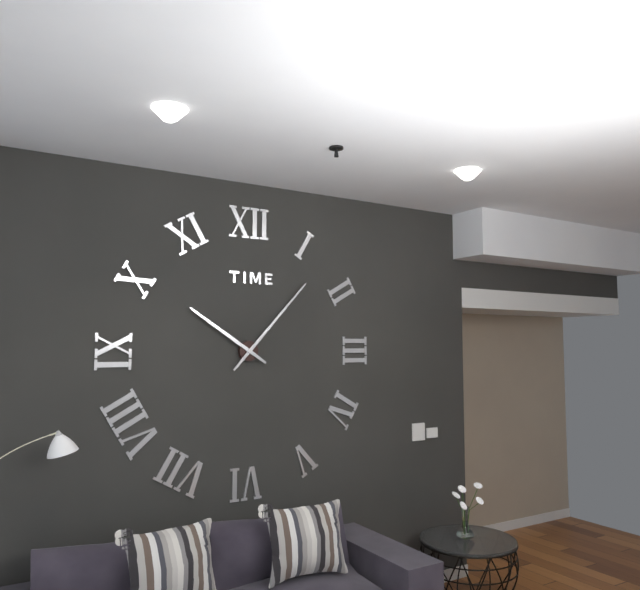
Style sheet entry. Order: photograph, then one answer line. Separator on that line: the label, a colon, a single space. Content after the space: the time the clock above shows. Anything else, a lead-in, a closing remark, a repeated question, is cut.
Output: 10:07
